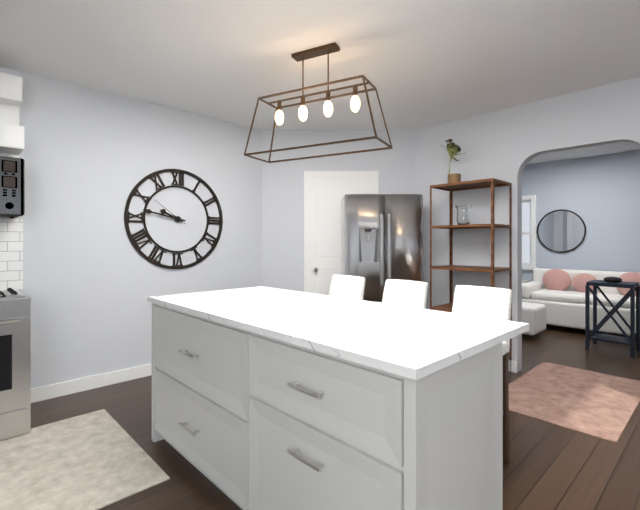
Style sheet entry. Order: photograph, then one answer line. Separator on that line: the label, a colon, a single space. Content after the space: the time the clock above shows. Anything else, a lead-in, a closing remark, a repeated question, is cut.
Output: 9:47
